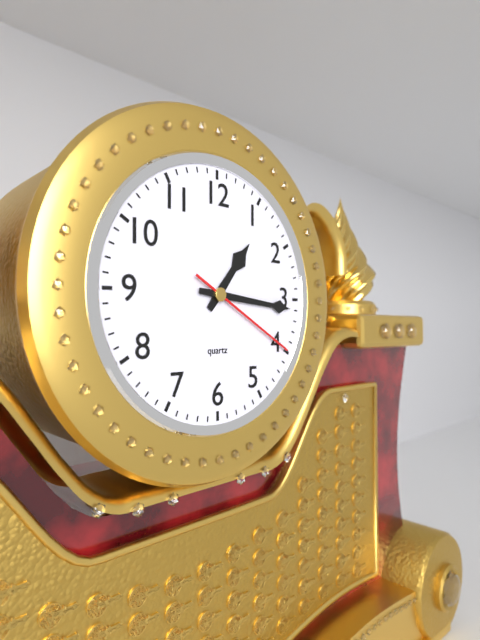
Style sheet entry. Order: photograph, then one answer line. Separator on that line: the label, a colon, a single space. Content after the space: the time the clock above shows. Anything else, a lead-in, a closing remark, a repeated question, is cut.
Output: 1:16:20
